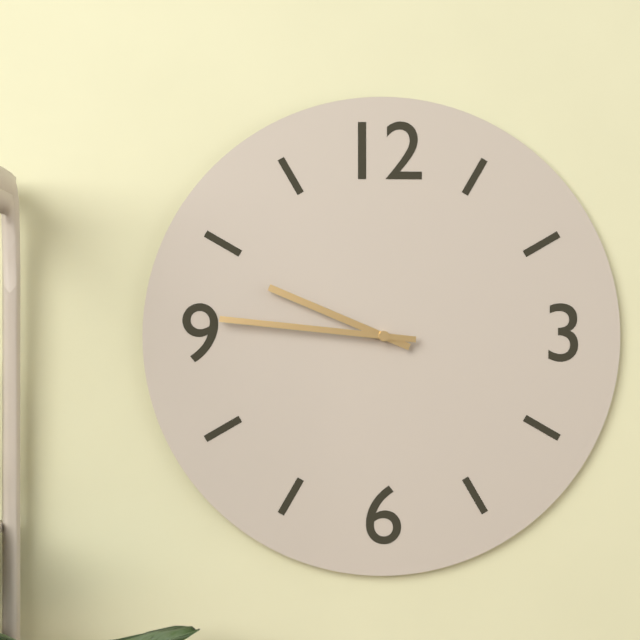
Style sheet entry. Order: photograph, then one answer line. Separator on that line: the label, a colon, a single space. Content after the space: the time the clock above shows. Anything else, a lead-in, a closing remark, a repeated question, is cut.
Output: 9:46
